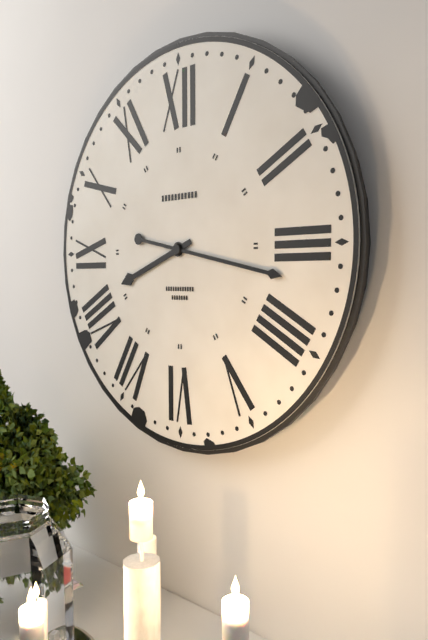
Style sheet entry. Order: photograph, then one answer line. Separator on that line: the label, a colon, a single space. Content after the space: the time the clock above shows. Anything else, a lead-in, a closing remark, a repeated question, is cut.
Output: 8:17
